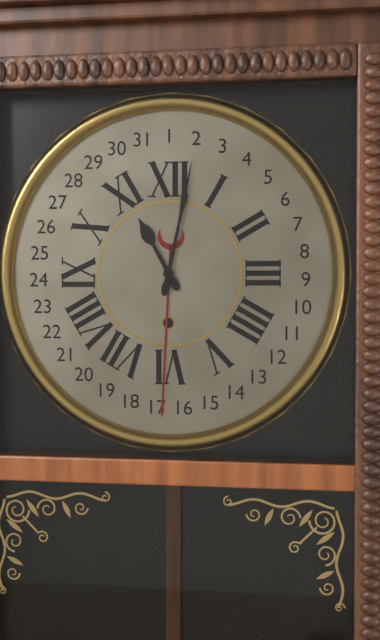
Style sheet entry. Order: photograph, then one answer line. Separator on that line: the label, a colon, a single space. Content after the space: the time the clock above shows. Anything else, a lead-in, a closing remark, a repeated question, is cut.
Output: 11:02
